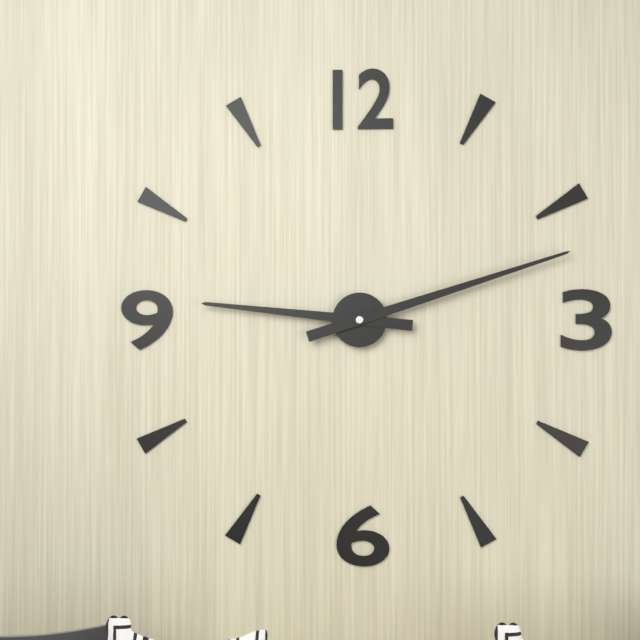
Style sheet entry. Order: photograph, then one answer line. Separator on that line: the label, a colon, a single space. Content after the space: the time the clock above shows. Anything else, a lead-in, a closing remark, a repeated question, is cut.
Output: 9:12
